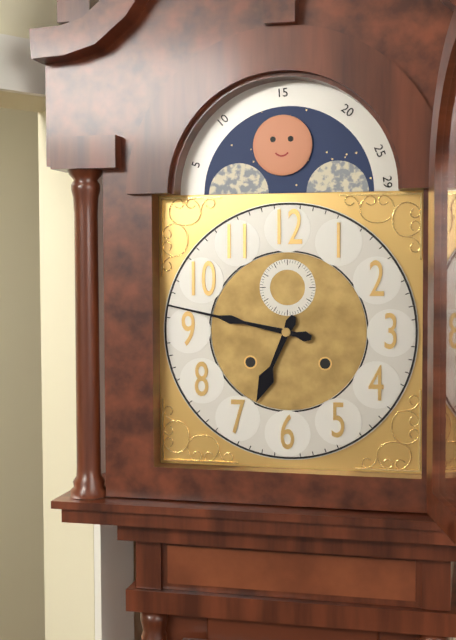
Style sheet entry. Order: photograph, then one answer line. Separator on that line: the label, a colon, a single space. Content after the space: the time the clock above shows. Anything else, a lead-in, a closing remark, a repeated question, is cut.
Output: 6:47
